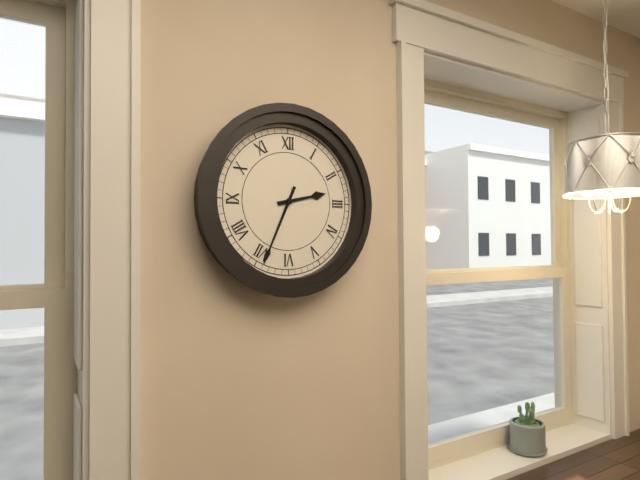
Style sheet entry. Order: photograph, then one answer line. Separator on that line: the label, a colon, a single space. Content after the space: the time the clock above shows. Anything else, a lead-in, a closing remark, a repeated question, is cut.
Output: 2:34
